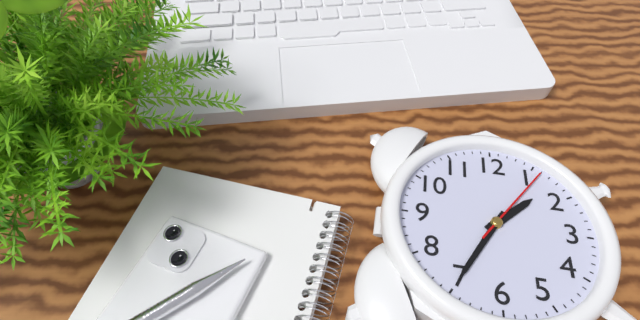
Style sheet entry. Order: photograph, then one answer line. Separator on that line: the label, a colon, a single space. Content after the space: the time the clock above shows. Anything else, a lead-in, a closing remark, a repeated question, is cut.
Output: 1:35:06
